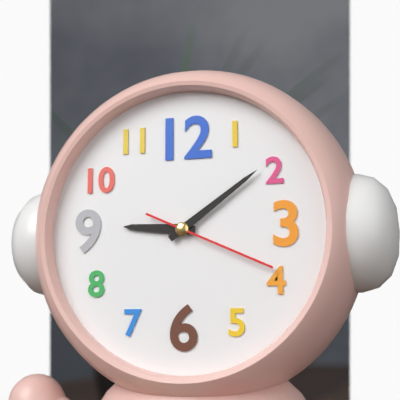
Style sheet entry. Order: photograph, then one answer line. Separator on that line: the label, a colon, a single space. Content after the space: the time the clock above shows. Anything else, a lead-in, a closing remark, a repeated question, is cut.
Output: 9:09:19
